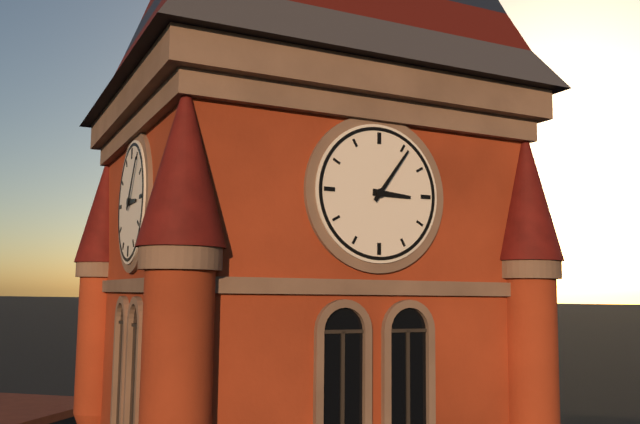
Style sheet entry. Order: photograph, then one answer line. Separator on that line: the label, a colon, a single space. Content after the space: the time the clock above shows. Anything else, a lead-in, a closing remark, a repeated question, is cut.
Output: 3:06
